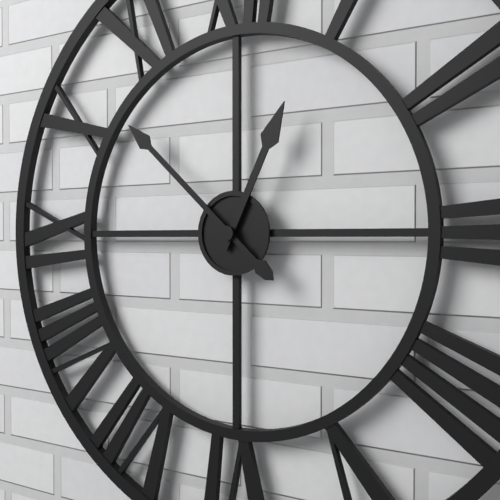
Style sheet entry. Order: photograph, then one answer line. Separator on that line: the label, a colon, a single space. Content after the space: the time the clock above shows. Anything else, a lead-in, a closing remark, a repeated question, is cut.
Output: 12:52
